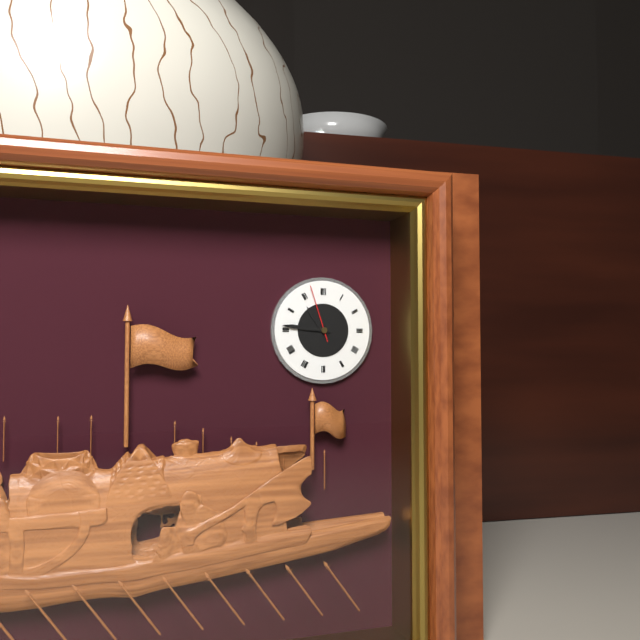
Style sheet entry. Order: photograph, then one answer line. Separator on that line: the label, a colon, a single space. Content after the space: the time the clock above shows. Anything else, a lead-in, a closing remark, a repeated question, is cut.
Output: 10:46:57
